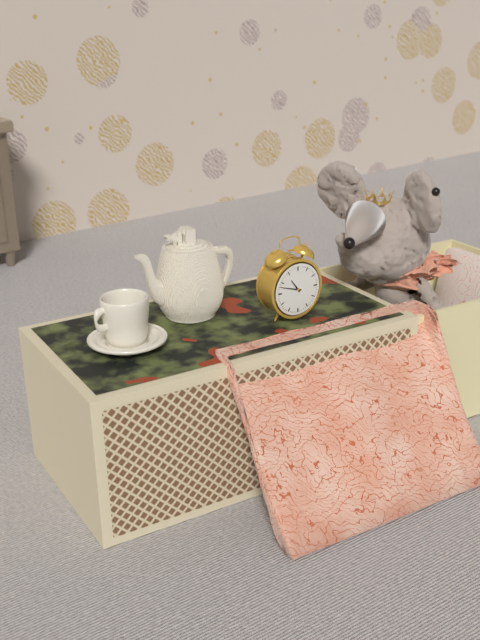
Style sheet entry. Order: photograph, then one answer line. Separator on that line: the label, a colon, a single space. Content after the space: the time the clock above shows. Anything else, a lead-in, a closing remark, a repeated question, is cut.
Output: 10:48
